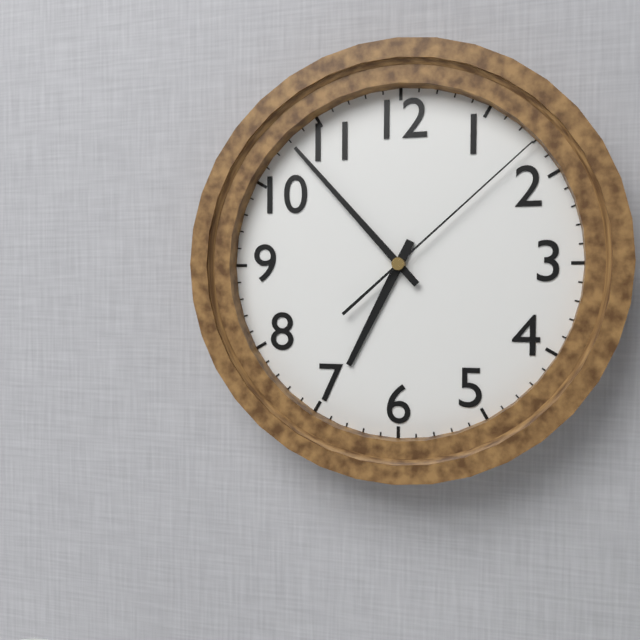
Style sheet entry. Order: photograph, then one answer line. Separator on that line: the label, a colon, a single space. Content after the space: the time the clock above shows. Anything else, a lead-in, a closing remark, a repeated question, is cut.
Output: 6:53:08
